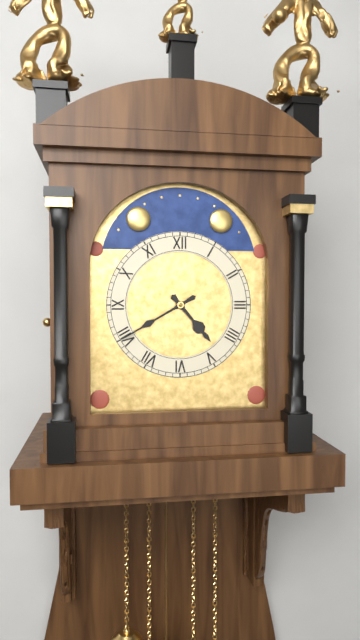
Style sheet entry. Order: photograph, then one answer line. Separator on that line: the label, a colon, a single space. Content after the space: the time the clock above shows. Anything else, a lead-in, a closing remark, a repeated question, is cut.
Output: 4:40
